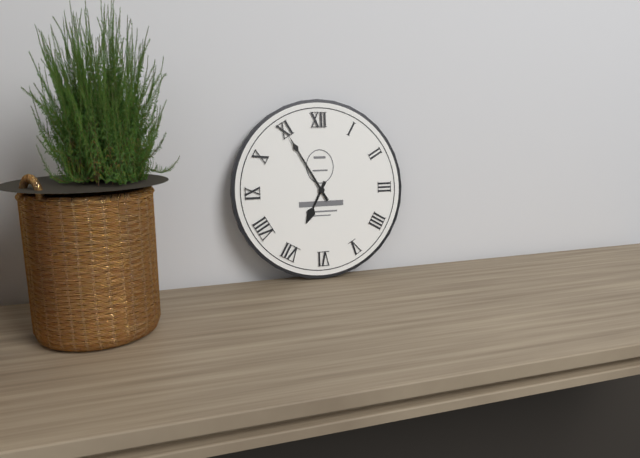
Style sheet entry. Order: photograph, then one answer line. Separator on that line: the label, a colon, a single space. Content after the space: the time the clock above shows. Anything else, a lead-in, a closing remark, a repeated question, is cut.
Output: 6:55
